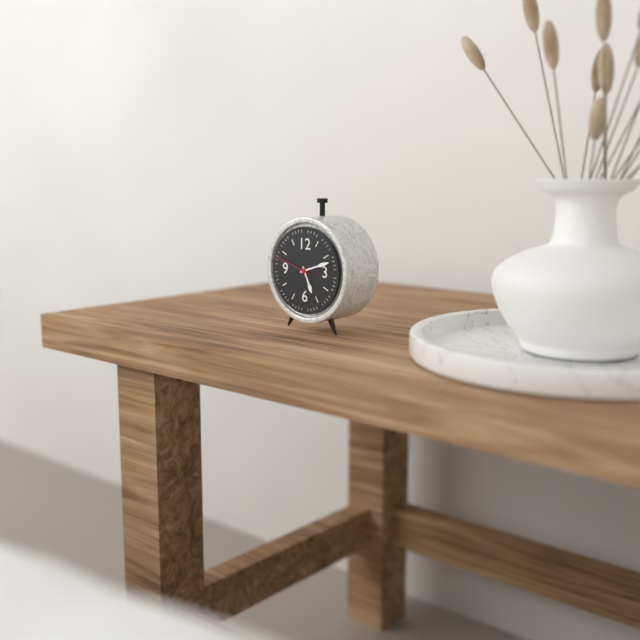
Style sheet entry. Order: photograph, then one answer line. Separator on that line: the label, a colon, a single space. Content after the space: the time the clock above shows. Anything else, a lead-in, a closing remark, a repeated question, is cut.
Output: 5:12
